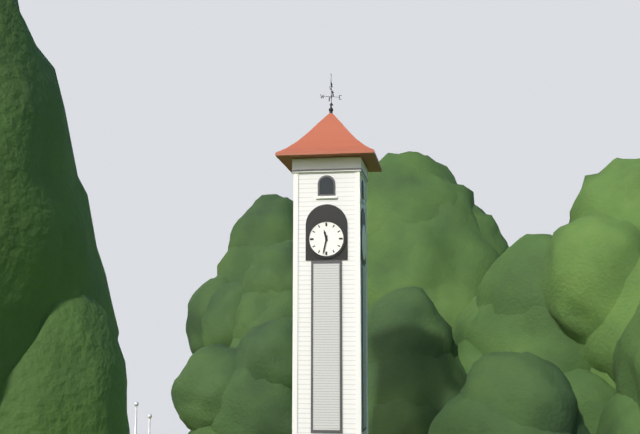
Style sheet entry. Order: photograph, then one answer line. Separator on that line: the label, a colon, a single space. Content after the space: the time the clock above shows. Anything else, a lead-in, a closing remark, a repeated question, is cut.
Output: 11:32
